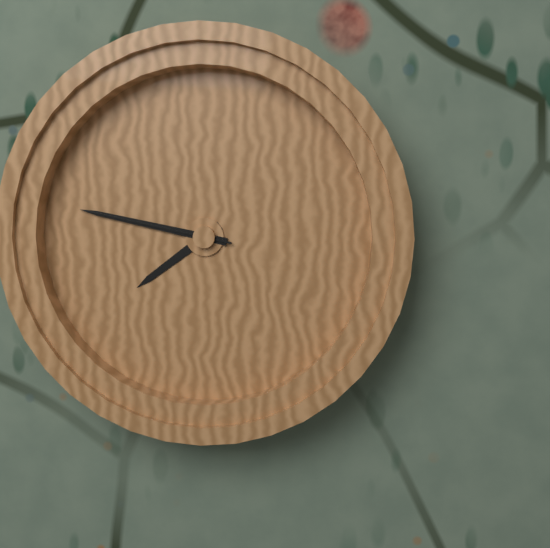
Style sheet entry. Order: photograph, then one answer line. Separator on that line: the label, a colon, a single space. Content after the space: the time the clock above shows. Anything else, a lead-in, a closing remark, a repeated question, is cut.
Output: 7:47:47
